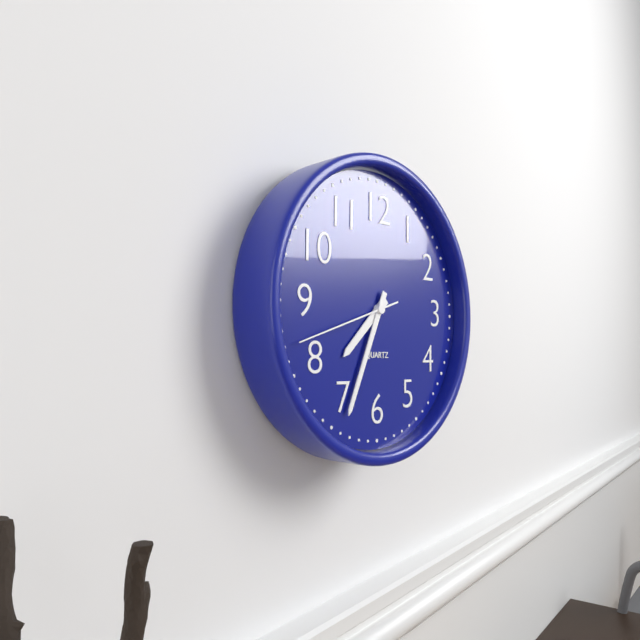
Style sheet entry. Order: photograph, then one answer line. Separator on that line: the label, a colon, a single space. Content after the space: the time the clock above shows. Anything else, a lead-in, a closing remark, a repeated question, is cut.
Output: 7:34:42
